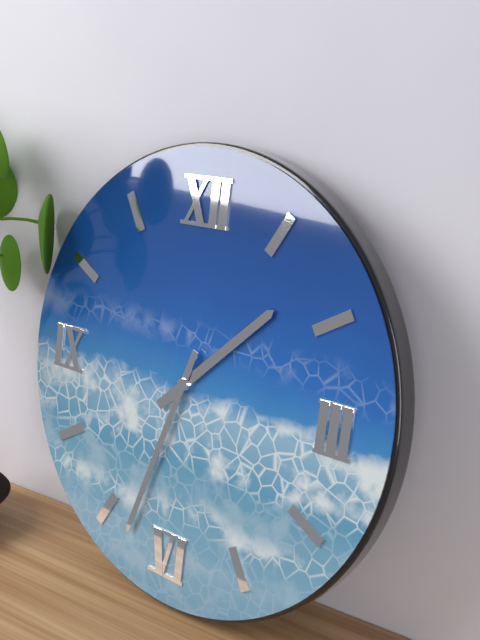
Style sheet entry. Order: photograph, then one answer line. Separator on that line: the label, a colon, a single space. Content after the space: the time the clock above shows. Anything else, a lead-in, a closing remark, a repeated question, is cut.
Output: 1:33
